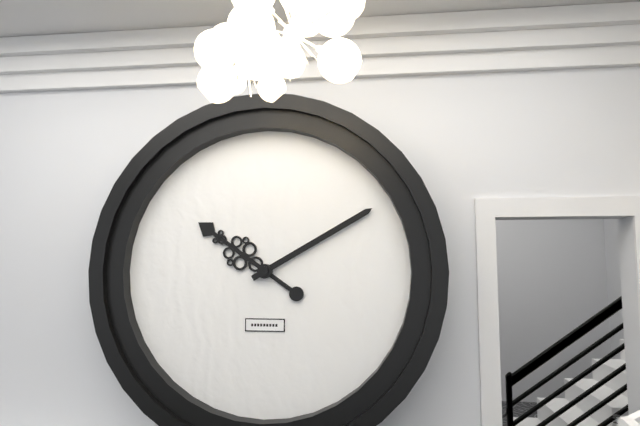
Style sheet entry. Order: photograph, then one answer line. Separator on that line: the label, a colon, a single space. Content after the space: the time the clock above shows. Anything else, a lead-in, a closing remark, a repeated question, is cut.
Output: 10:10
